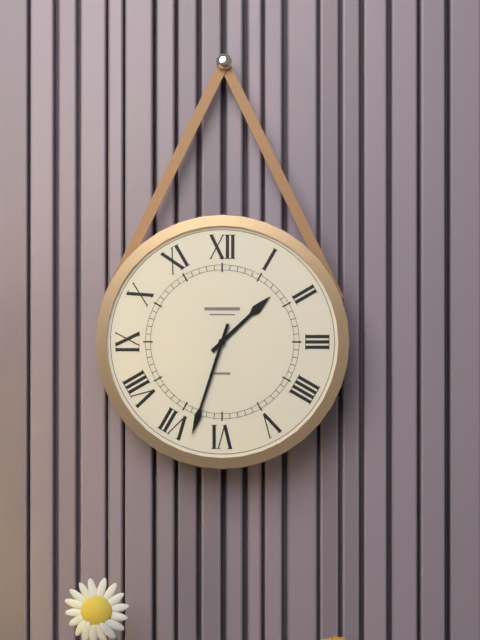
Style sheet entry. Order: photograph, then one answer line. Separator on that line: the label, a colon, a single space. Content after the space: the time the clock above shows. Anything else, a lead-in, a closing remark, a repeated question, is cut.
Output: 1:33
